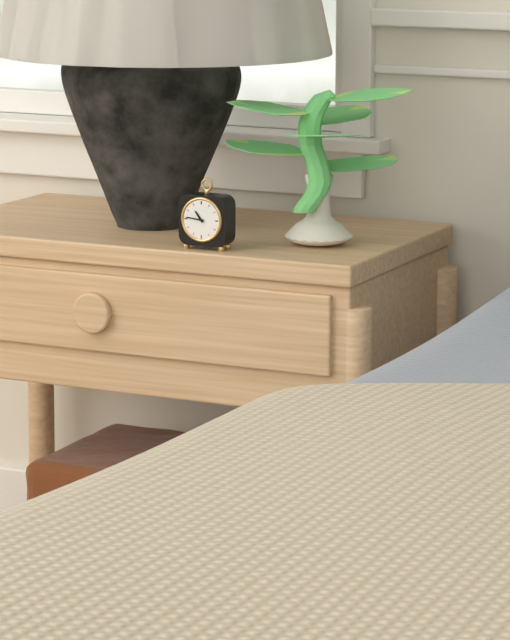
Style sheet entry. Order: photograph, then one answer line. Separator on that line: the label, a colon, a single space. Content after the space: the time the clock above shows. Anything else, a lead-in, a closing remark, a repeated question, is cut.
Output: 10:46
